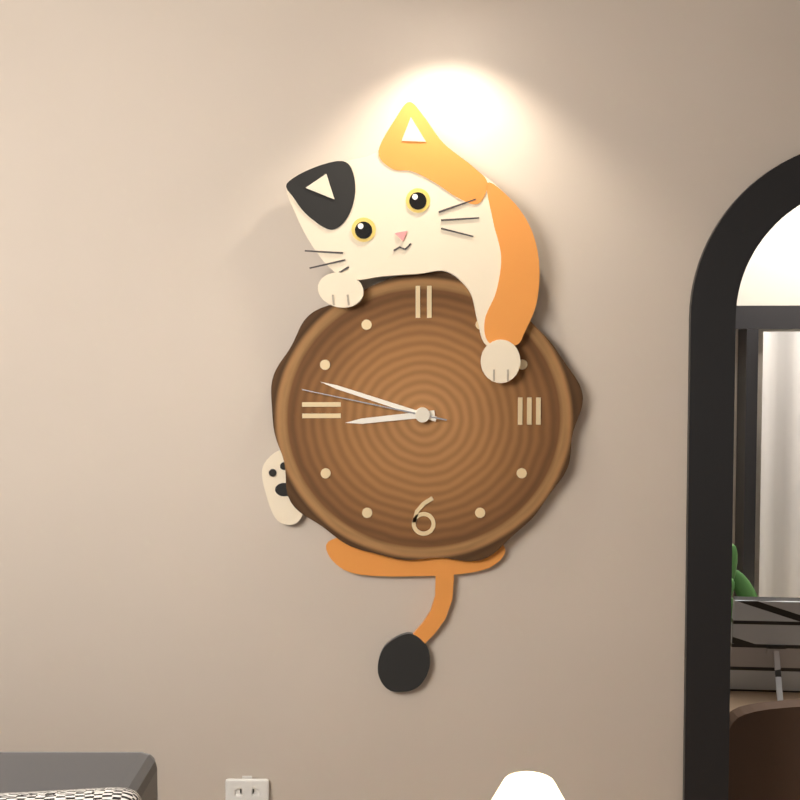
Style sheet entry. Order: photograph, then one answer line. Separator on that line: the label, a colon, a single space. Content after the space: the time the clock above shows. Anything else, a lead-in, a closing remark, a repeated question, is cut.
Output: 8:48:47
